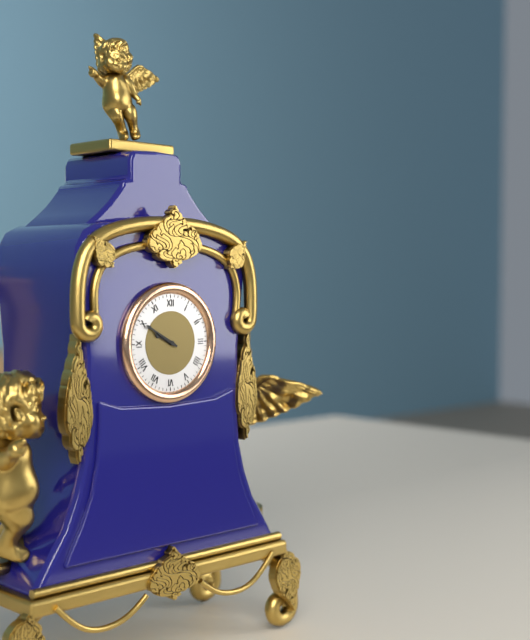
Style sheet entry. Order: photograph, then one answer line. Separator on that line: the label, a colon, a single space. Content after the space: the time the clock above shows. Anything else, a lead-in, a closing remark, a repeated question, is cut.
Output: 9:50
